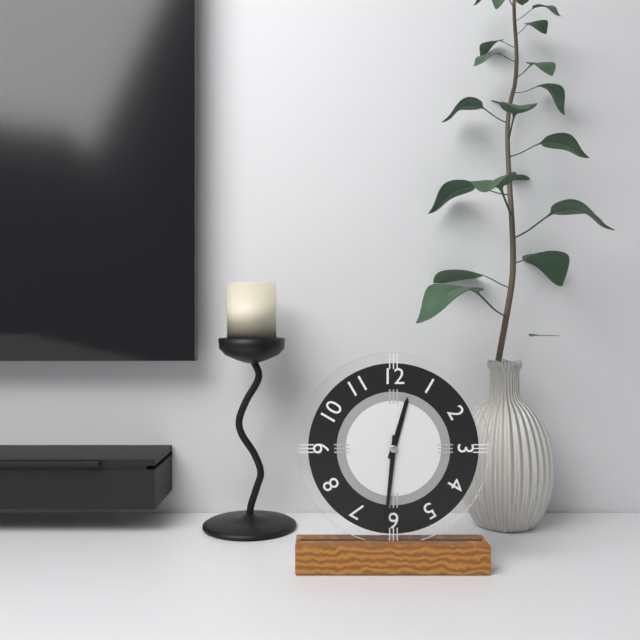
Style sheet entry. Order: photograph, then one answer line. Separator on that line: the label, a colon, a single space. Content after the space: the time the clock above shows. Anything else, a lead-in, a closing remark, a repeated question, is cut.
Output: 12:31
